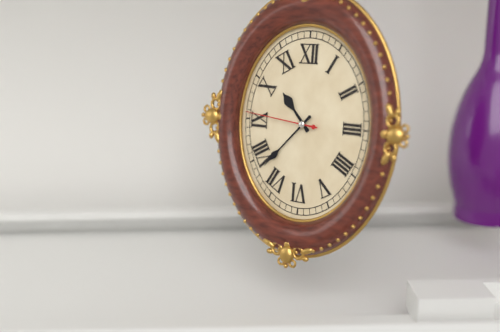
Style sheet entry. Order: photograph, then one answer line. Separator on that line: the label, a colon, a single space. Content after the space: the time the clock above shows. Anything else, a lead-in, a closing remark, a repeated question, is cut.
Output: 10:37:46
